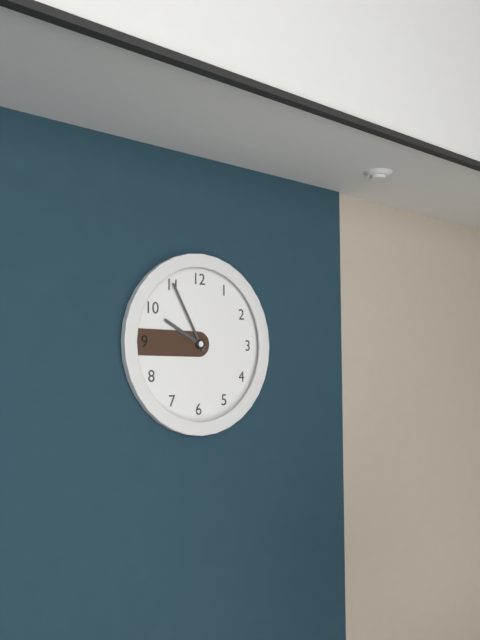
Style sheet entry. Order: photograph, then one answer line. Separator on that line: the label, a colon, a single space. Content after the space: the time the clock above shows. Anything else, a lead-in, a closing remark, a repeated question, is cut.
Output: 9:55
